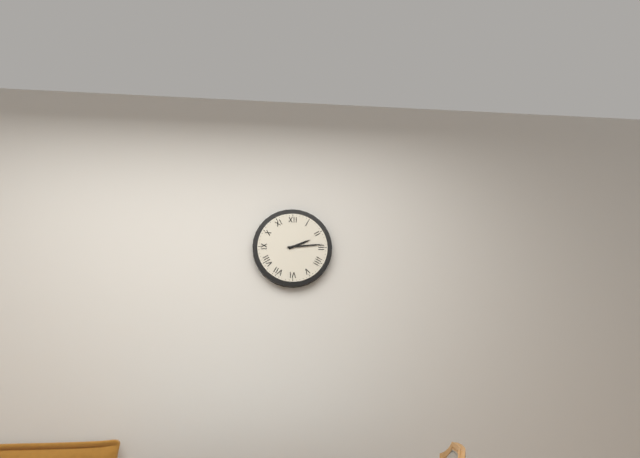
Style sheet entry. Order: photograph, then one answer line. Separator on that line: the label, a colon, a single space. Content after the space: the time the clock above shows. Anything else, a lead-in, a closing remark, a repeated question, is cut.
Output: 2:14
